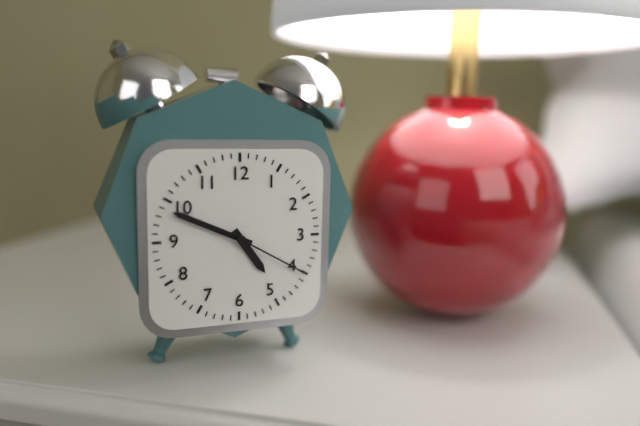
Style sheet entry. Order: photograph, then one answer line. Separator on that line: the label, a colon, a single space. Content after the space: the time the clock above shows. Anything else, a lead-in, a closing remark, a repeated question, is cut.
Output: 4:49:20
